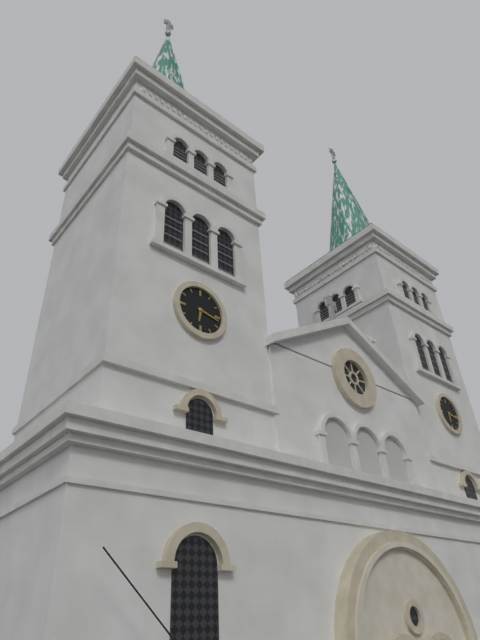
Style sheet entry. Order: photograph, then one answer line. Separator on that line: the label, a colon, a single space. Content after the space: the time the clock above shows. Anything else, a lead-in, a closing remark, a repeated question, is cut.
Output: 6:17
